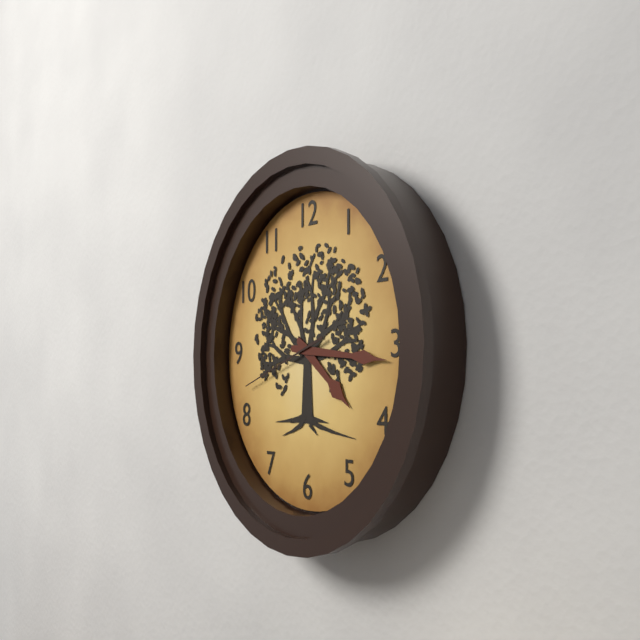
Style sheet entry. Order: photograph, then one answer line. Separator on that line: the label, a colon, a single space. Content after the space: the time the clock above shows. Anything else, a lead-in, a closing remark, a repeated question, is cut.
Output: 4:16:42
